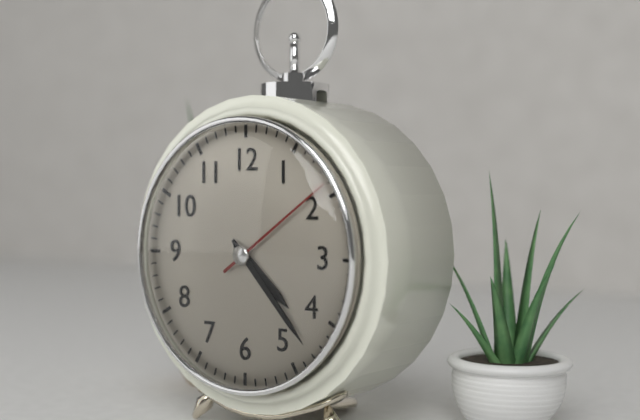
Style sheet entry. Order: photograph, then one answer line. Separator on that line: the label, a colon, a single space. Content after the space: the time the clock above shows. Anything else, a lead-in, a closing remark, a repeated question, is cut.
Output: 4:23:09
